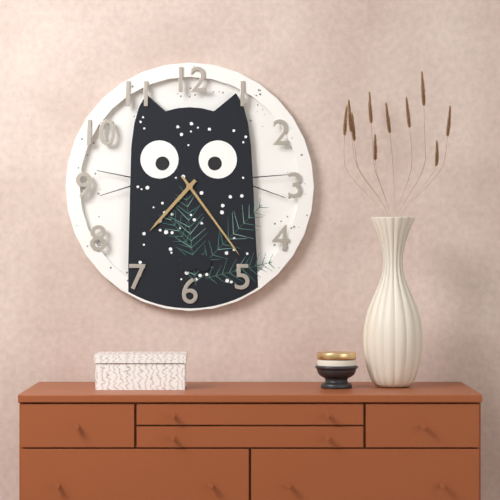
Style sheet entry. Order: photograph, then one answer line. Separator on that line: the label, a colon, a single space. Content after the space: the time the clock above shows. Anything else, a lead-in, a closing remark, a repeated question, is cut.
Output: 7:24
